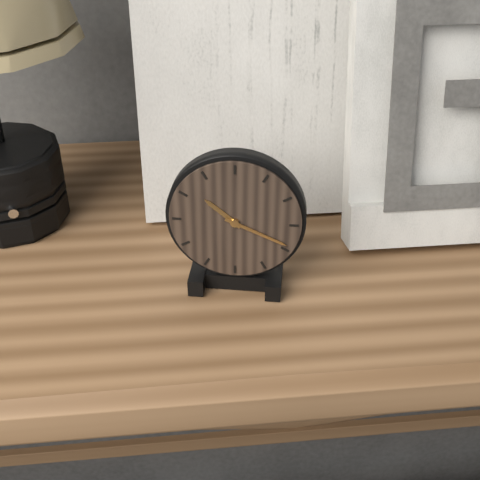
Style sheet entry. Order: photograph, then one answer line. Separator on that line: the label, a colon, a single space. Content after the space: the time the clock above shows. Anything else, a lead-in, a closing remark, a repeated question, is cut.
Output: 10:19
